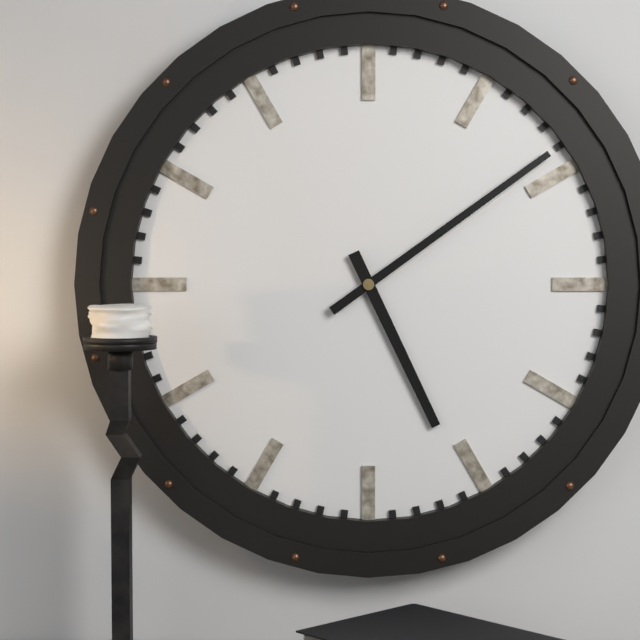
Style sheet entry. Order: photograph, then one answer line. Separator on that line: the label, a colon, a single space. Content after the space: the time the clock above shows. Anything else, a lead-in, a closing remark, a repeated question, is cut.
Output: 5:09
